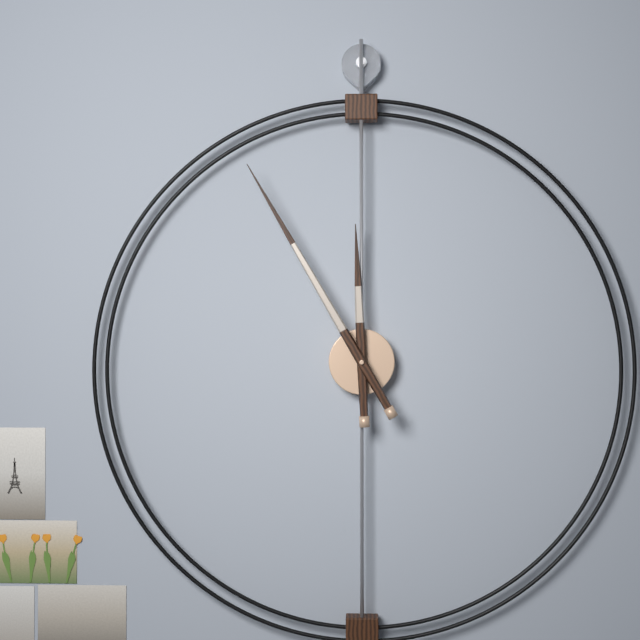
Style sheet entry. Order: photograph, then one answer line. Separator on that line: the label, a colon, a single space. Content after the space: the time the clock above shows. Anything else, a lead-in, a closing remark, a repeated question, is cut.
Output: 11:55
